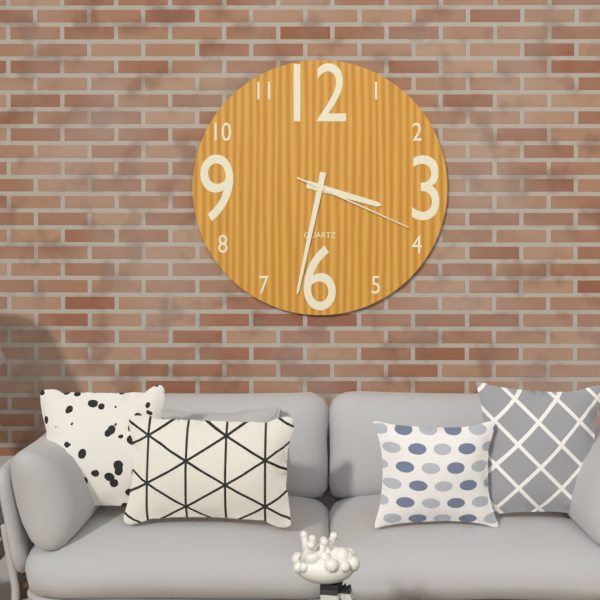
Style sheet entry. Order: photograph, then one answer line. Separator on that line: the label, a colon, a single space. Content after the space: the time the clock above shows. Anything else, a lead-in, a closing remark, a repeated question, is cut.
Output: 3:32:19
